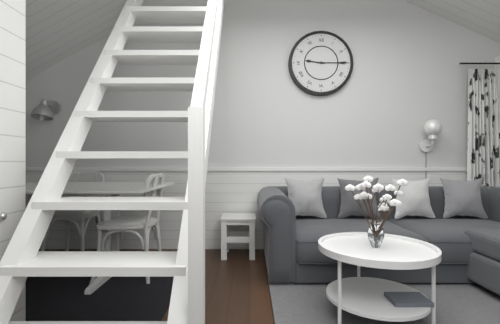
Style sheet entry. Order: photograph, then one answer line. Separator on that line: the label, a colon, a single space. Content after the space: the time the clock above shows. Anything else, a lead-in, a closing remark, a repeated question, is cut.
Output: 9:15
